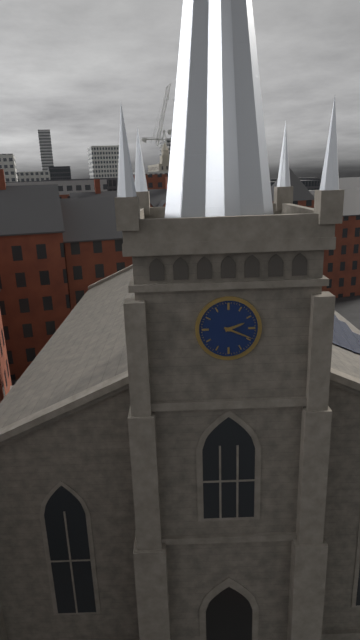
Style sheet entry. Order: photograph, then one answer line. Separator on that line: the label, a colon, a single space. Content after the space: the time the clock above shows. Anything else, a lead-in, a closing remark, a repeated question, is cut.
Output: 2:19
